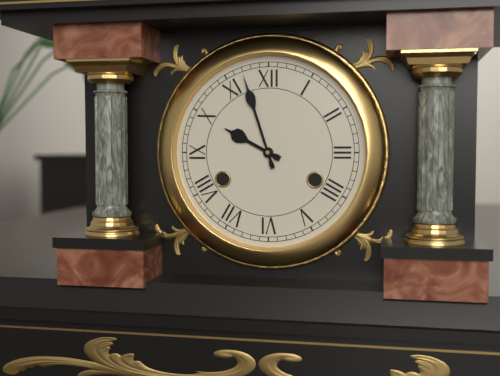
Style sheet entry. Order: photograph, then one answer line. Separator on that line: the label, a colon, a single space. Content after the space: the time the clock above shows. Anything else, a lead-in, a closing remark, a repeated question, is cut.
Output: 9:57
